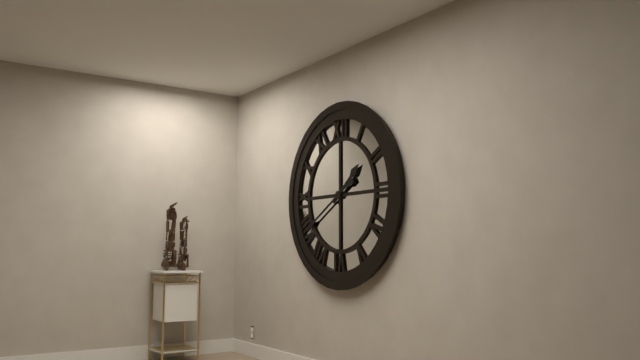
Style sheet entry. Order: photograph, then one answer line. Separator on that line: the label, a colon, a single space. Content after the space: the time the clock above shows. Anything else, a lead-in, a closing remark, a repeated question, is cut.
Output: 1:40
